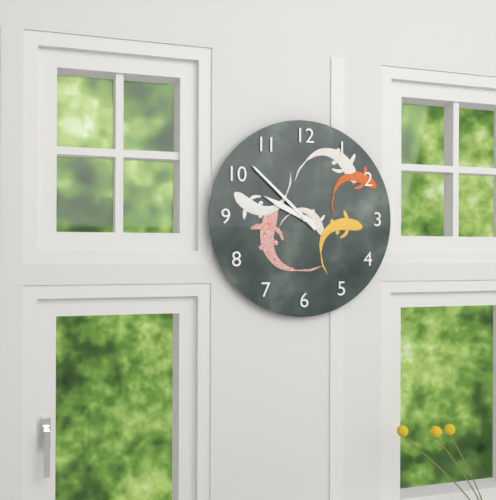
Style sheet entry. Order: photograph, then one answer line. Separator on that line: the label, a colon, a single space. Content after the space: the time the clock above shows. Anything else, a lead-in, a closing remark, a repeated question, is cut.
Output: 9:52
